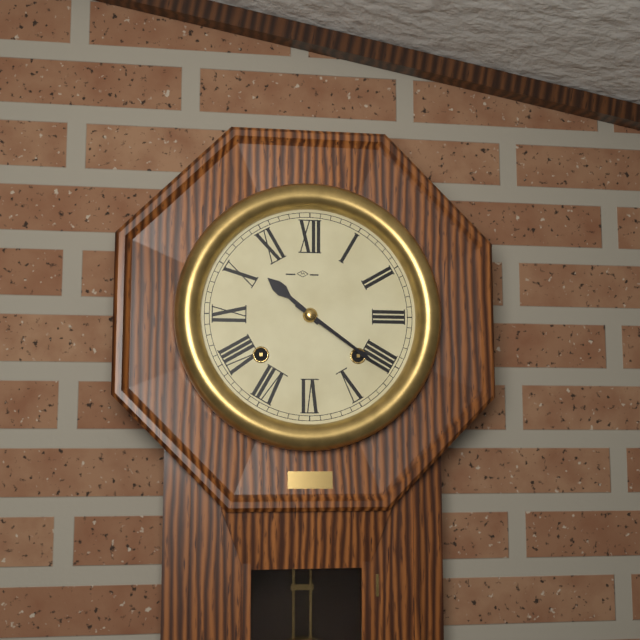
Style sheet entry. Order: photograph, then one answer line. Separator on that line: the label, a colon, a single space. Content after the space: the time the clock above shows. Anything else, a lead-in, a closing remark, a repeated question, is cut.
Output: 10:21
